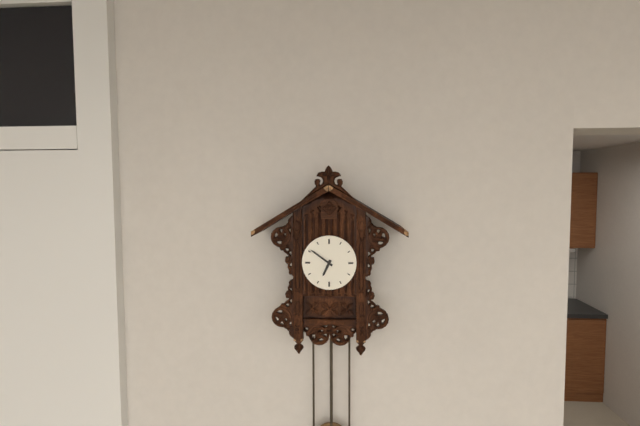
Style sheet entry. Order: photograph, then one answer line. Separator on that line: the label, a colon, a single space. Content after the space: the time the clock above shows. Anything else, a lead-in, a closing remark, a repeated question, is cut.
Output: 6:51
